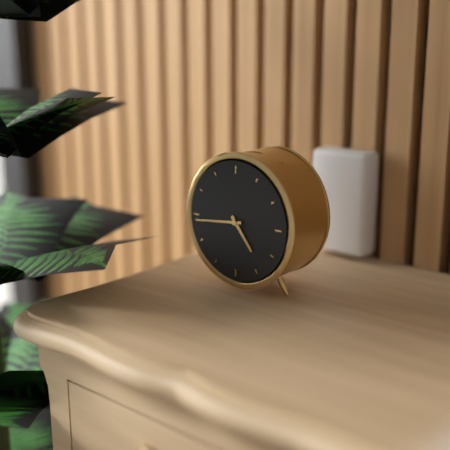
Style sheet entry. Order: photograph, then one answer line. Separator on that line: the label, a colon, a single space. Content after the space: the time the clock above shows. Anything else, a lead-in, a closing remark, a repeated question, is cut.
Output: 4:44
